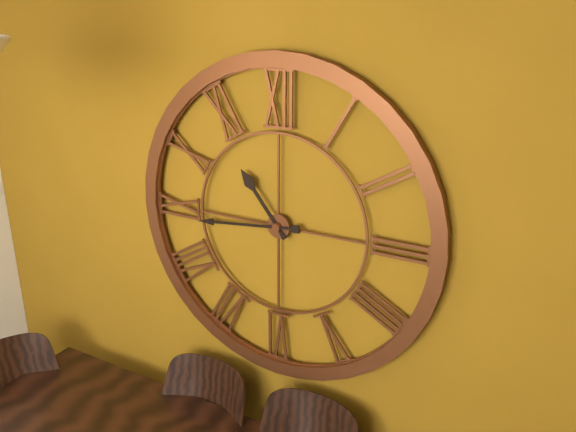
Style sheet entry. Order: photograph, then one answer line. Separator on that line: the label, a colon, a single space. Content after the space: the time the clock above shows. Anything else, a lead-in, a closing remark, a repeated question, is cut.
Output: 10:44
